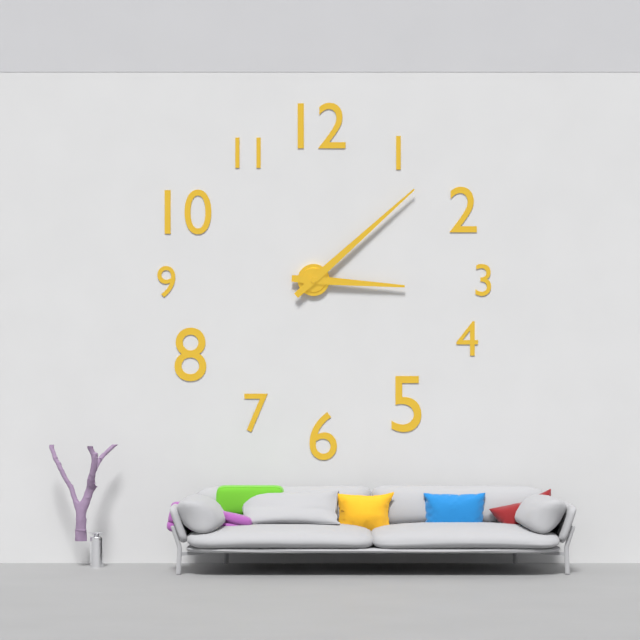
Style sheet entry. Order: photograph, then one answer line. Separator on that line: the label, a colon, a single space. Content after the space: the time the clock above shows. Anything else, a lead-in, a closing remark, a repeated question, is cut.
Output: 3:08
